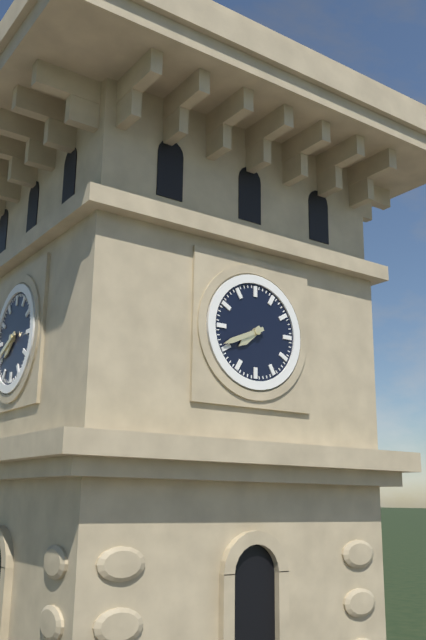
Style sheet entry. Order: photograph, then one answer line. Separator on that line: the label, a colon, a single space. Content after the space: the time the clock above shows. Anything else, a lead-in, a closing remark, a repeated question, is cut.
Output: 7:41
